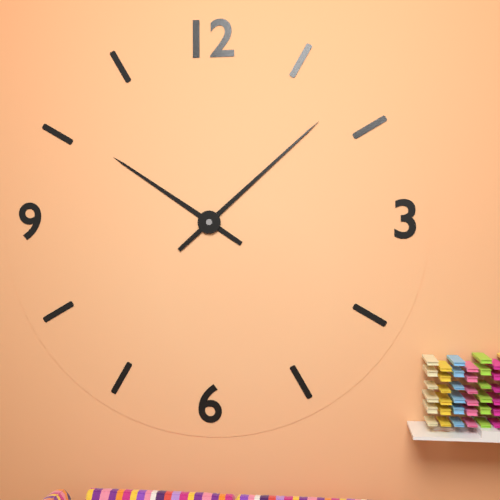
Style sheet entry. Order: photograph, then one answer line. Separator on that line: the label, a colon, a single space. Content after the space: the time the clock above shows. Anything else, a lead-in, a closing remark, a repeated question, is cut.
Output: 10:08
